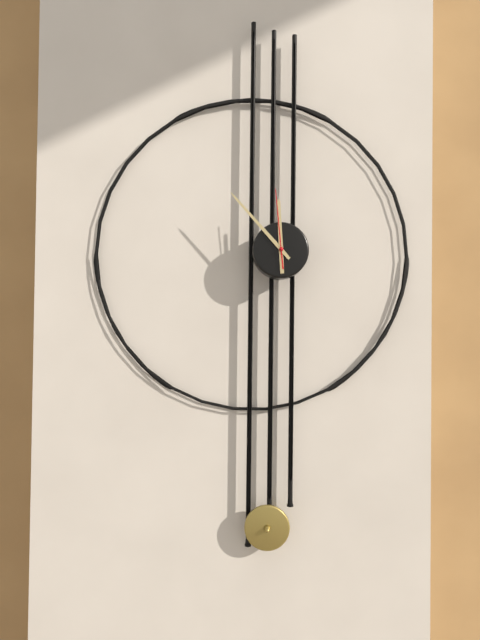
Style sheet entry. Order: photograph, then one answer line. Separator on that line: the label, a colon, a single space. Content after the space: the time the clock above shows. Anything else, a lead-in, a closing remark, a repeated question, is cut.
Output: 11:53:59
